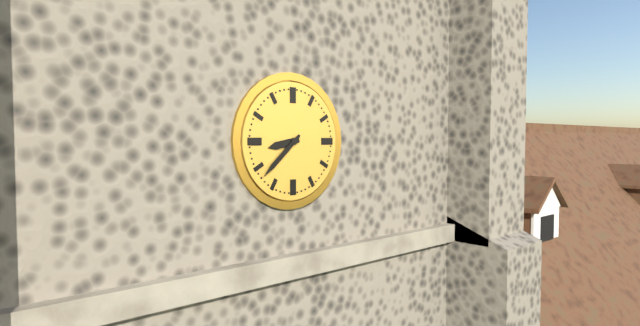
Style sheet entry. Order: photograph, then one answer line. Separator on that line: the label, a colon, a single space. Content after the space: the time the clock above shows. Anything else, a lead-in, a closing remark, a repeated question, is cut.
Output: 8:38
